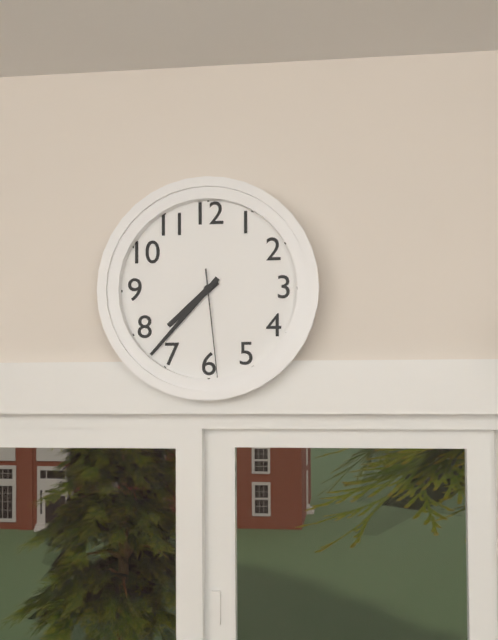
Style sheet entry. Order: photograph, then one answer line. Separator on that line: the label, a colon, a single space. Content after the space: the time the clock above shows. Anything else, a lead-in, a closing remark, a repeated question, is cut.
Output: 7:37:29
